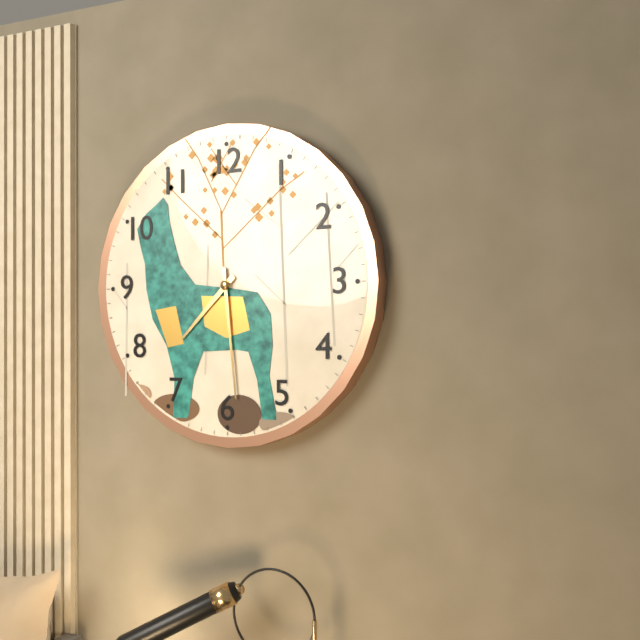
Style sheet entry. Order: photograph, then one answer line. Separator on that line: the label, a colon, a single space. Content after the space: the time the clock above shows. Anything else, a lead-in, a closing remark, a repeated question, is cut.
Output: 7:29
